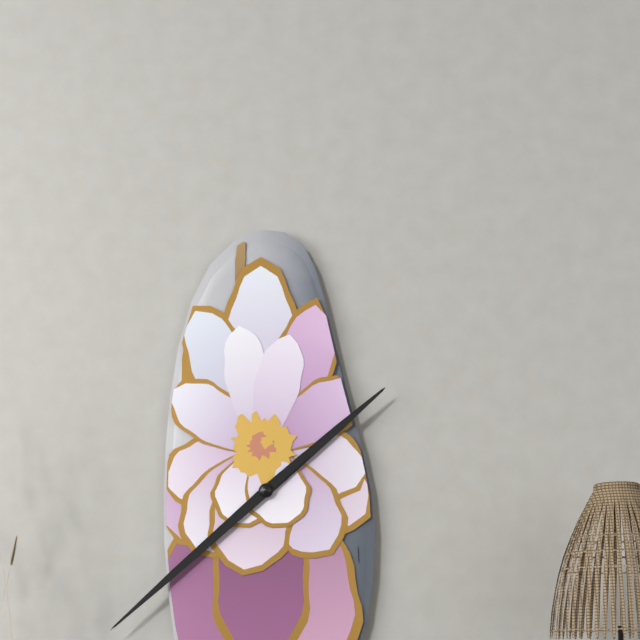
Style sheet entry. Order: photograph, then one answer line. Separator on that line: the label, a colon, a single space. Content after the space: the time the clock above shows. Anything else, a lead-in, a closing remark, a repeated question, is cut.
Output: 1:38
